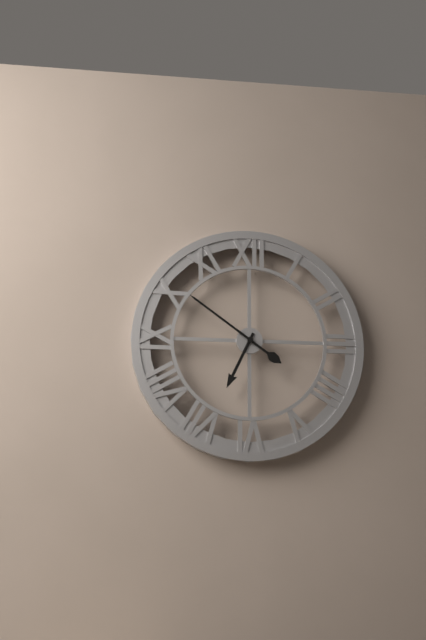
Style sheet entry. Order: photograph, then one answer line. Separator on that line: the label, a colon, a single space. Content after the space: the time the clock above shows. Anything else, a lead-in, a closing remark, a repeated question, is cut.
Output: 6:51
